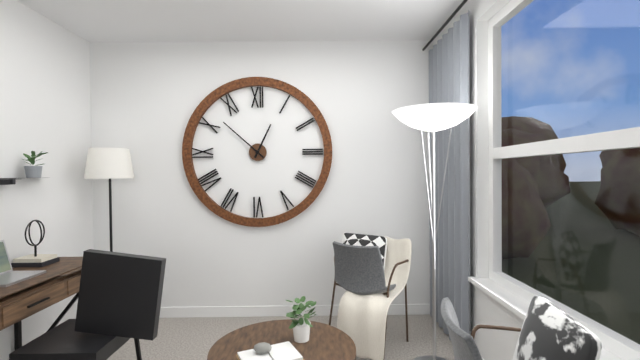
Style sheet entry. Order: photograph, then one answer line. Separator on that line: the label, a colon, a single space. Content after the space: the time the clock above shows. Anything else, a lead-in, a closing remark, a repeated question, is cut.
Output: 12:52
